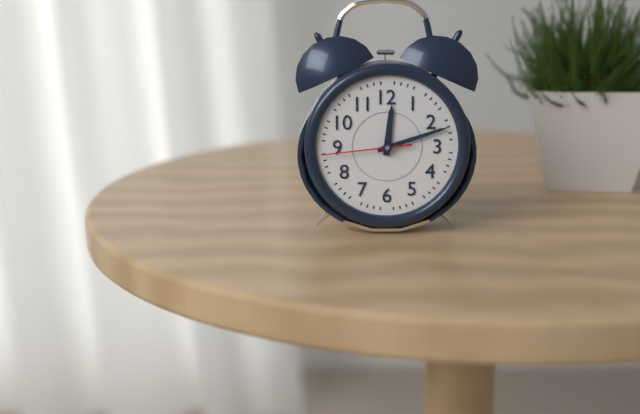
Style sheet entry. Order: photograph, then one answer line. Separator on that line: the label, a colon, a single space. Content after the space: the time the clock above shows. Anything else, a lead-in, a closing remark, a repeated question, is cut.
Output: 12:12:44
